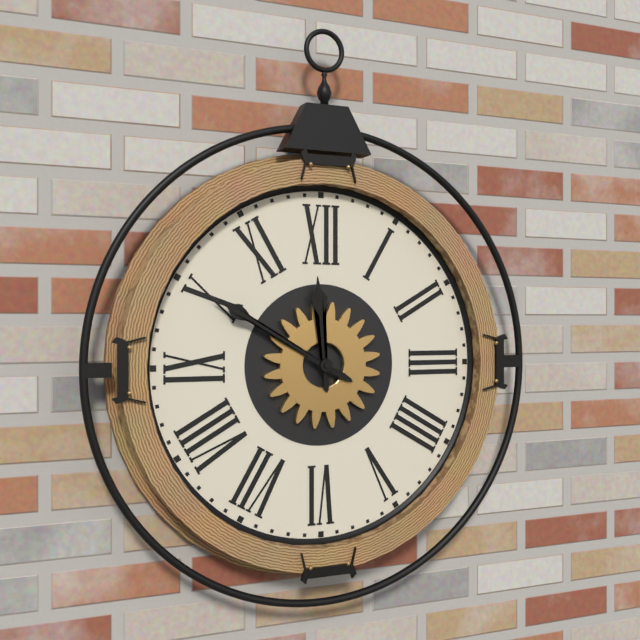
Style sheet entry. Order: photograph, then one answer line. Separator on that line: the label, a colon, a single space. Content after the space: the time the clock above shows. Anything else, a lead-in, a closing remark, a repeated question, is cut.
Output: 11:50
